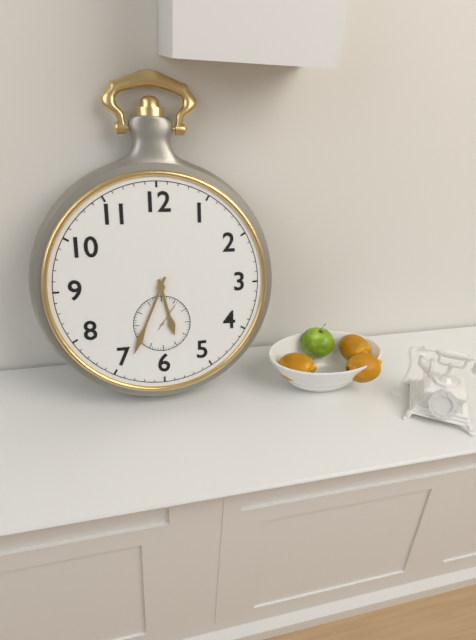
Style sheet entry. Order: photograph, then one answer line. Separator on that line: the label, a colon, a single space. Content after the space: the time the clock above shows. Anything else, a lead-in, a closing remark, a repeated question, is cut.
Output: 5:34
